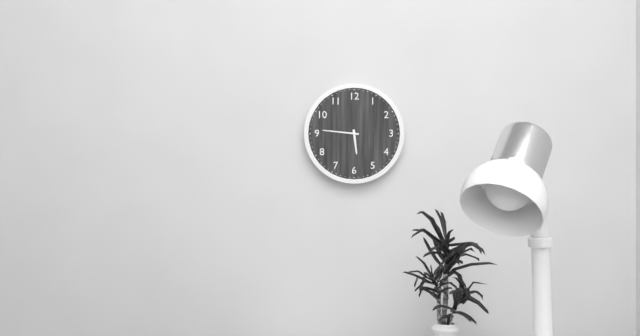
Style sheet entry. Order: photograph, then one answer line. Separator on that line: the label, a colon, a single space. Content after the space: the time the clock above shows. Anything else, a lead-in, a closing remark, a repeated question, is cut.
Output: 5:46
